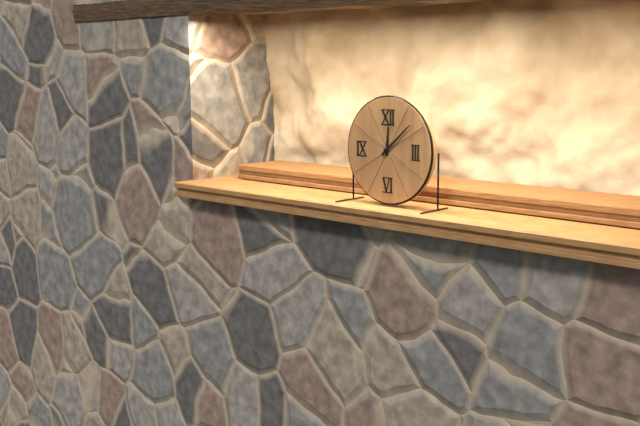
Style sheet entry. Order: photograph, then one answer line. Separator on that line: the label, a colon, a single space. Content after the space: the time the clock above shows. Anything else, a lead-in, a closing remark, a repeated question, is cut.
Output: 12:08
